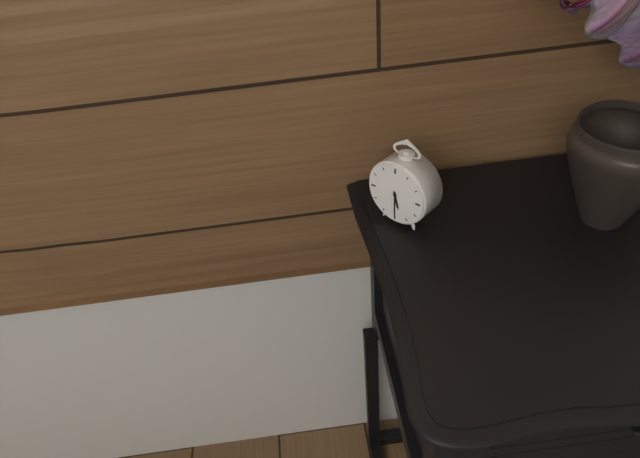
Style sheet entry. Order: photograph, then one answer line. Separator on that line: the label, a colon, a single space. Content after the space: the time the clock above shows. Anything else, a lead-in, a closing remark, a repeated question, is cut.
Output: 5:30
